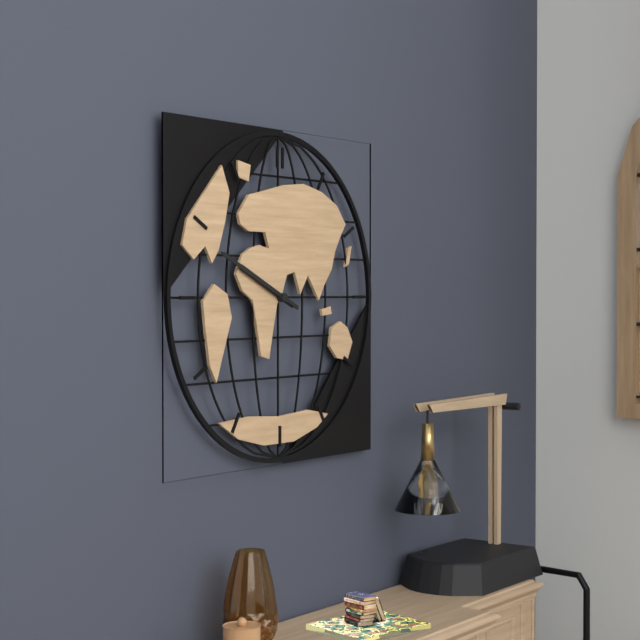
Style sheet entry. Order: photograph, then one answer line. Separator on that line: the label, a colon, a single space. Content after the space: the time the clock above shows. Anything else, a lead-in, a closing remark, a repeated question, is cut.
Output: 9:49
